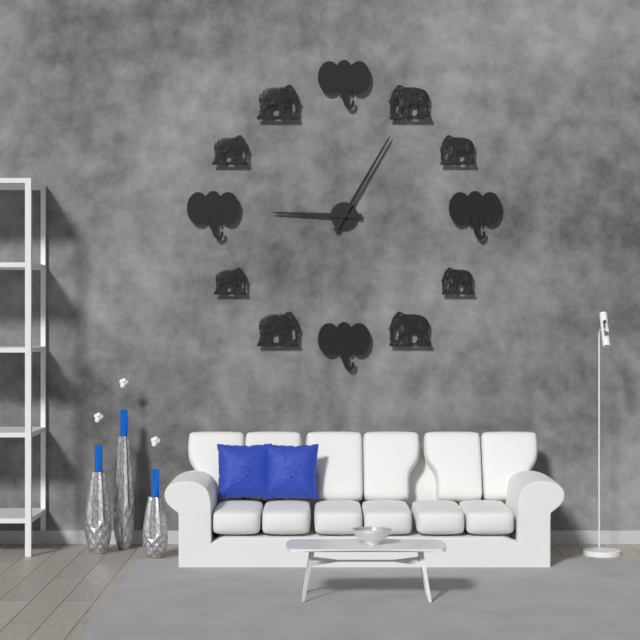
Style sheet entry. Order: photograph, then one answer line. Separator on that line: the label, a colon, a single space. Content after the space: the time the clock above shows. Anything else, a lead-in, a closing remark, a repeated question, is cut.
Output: 9:05
